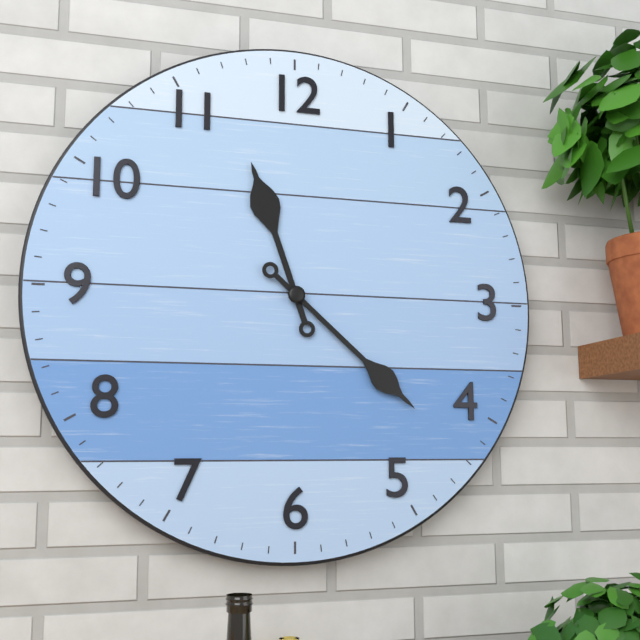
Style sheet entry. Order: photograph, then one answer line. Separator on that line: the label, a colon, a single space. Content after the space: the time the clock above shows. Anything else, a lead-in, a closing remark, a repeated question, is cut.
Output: 11:22
